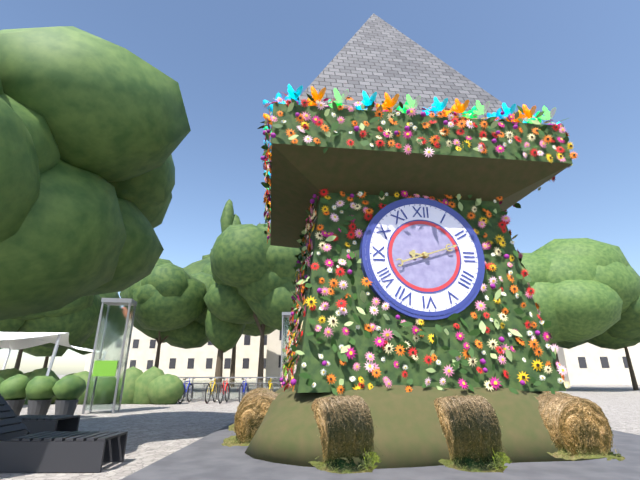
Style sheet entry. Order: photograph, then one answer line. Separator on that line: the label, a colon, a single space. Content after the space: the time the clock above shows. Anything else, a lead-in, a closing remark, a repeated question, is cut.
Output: 9:12
